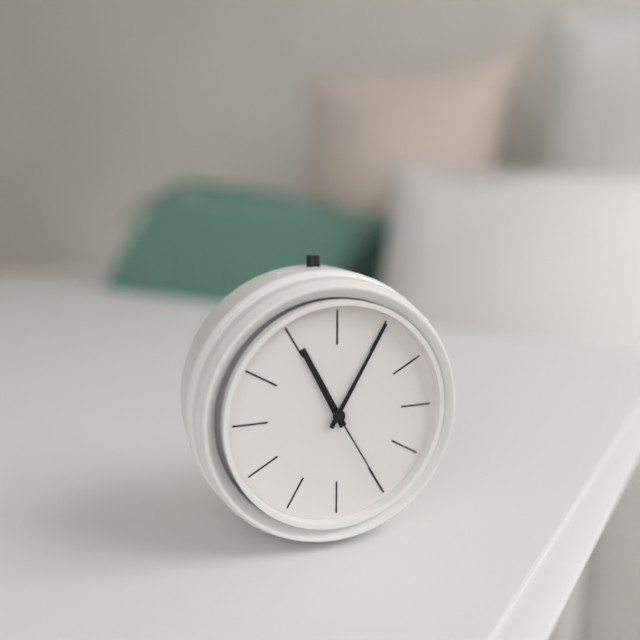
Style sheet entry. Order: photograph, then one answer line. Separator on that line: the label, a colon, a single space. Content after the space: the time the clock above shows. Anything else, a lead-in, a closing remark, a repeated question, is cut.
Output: 11:05:25
